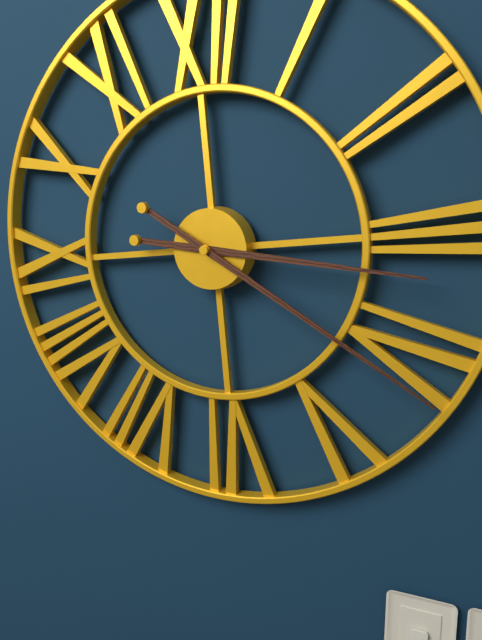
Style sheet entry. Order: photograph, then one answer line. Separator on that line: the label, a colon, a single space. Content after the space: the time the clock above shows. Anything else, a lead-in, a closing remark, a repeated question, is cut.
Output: 3:21
